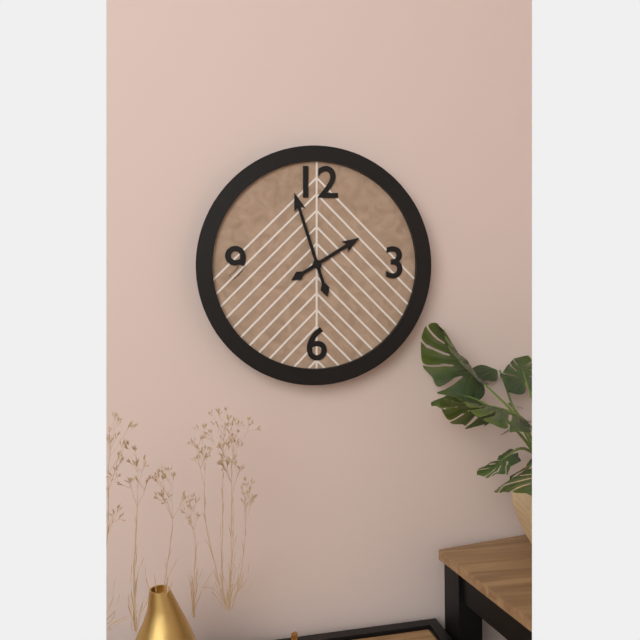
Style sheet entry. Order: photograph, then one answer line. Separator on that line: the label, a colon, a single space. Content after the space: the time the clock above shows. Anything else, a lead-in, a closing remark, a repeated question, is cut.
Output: 1:57
